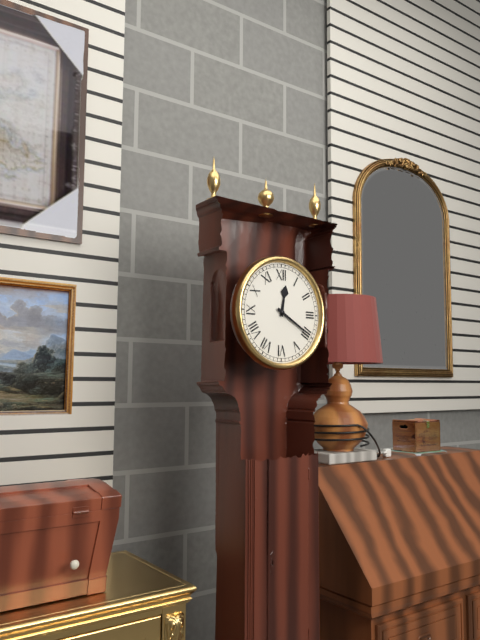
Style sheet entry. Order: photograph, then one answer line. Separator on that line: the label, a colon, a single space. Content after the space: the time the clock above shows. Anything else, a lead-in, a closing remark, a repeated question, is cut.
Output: 12:20
